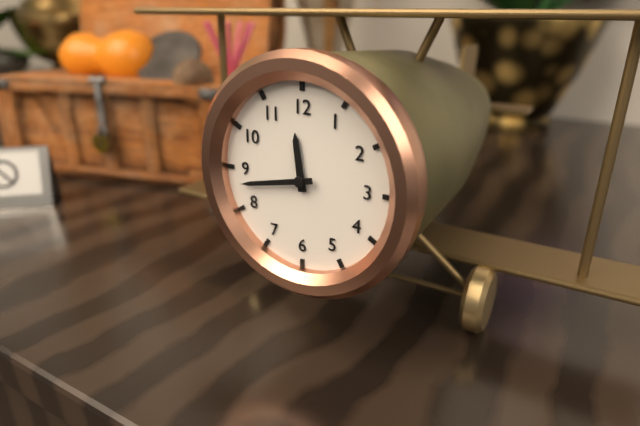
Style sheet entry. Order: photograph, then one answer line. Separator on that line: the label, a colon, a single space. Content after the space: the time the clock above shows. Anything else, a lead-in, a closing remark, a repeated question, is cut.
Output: 11:43
